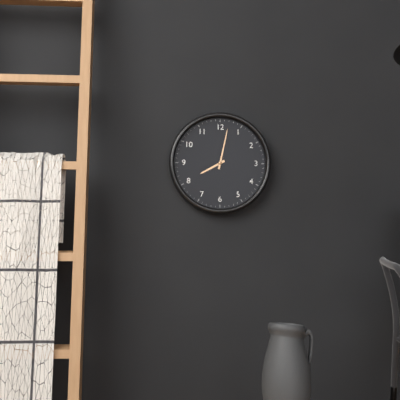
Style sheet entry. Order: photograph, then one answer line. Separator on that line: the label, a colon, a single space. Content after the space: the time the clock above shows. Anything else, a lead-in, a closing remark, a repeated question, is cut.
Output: 8:02
